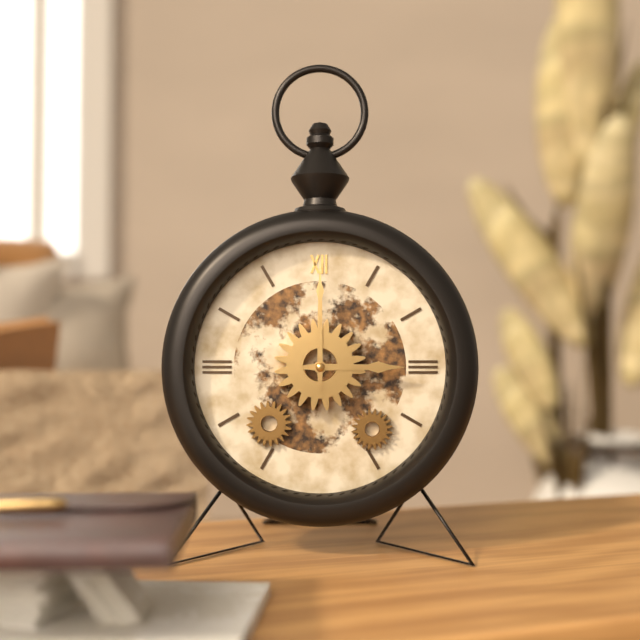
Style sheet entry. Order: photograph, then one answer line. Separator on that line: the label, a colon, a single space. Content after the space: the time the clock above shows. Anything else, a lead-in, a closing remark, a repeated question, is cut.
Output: 3:00
